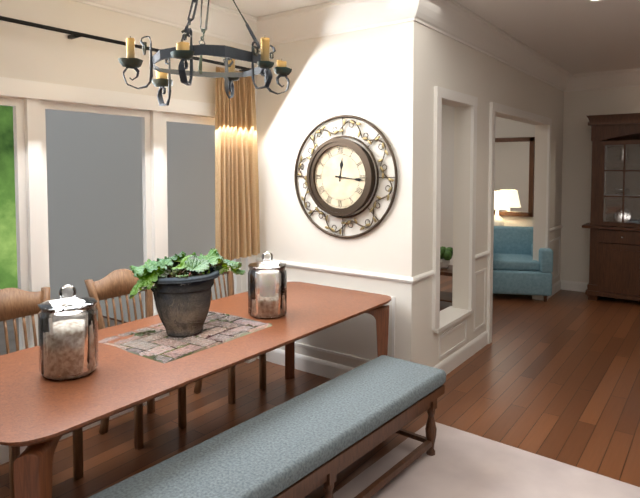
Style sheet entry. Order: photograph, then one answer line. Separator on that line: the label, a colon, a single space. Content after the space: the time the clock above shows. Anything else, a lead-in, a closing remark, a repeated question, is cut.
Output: 12:16
